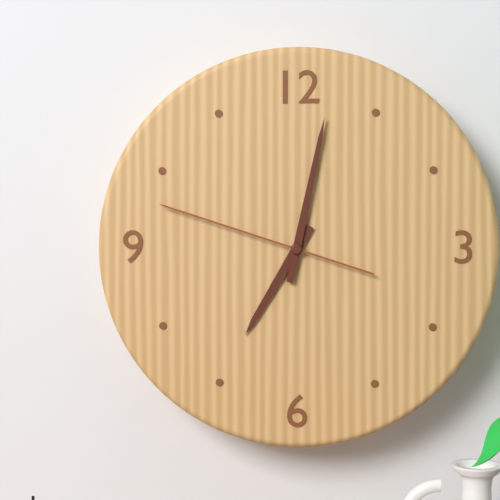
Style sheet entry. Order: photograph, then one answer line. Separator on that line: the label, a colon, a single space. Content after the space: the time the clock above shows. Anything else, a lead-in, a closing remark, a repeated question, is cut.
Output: 7:02:48
